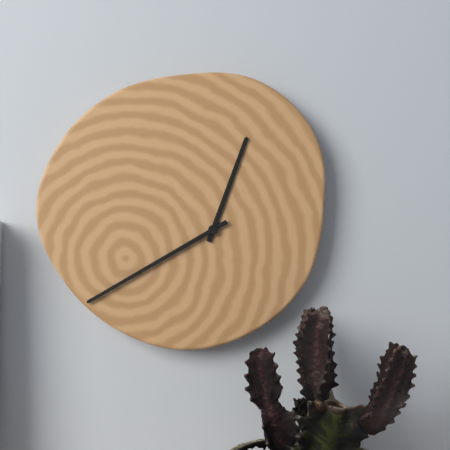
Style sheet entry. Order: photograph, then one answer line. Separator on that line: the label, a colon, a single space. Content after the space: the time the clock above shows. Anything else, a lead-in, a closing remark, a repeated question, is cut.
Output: 12:40
